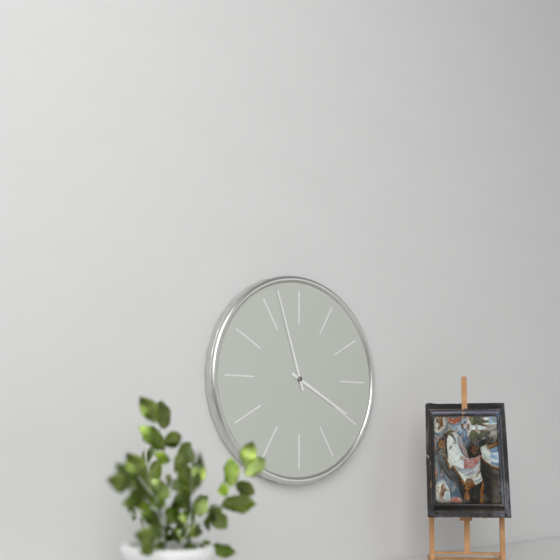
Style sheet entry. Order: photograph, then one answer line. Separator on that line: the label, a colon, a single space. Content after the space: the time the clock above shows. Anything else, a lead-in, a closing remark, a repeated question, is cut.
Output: 3:57
